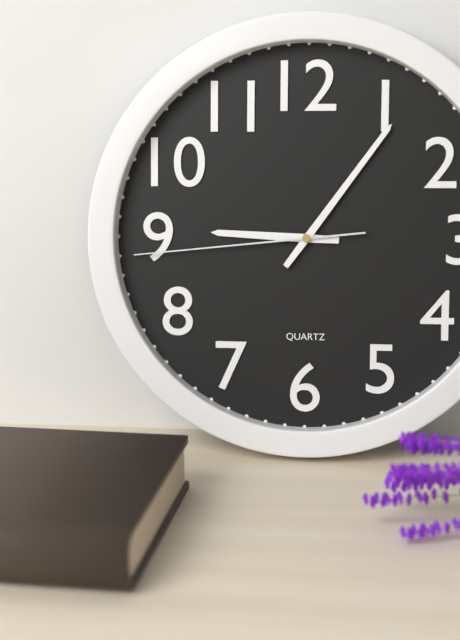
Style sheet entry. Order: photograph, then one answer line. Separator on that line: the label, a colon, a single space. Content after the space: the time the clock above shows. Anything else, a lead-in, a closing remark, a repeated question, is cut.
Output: 9:06:44
